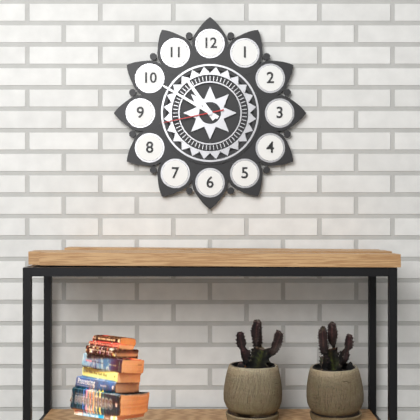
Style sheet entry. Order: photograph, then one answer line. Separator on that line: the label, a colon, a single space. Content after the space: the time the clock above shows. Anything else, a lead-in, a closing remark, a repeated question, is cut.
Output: 10:50:43
